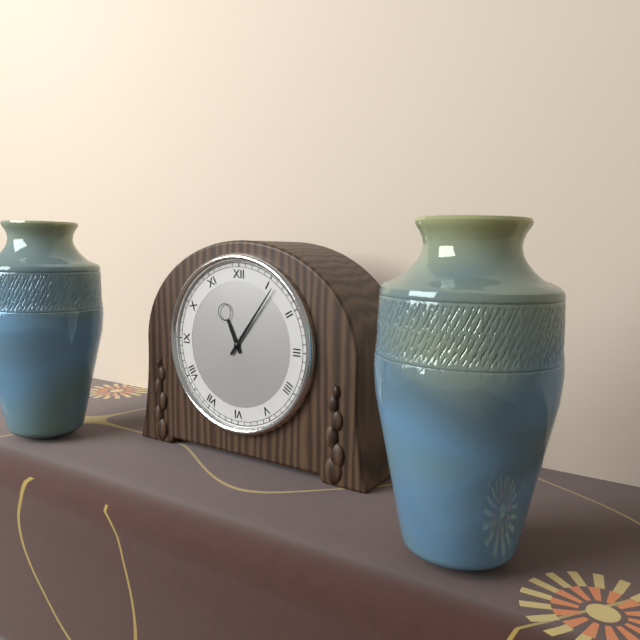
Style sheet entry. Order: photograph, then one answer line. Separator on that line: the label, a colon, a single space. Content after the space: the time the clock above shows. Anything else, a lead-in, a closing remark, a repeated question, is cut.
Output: 11:06
